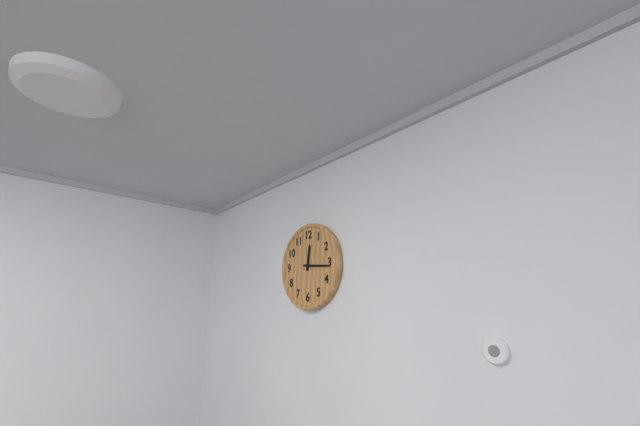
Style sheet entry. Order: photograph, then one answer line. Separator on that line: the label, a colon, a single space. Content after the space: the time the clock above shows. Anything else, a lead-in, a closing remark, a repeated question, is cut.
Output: 12:16
